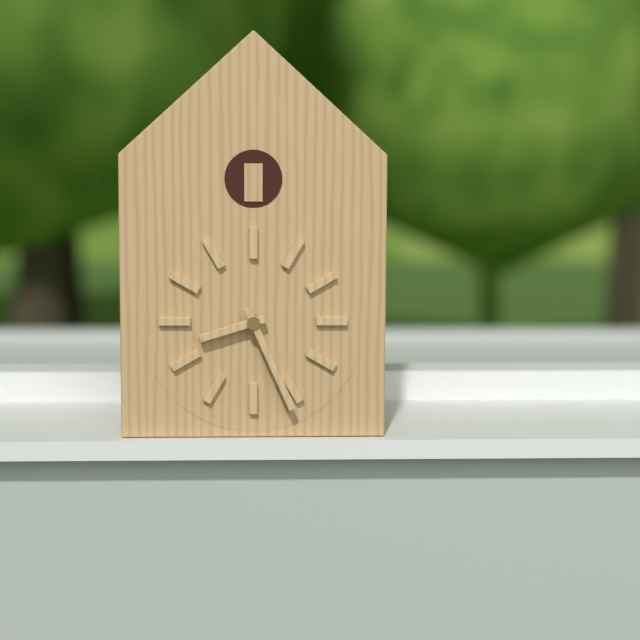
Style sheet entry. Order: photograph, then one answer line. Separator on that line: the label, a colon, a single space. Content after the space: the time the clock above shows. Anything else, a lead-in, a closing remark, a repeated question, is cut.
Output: 8:26
